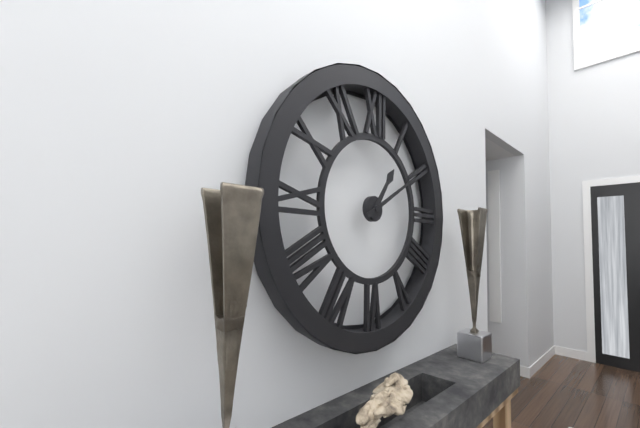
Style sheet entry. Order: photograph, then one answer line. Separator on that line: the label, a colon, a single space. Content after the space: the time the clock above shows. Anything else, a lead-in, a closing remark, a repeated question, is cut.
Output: 1:10
